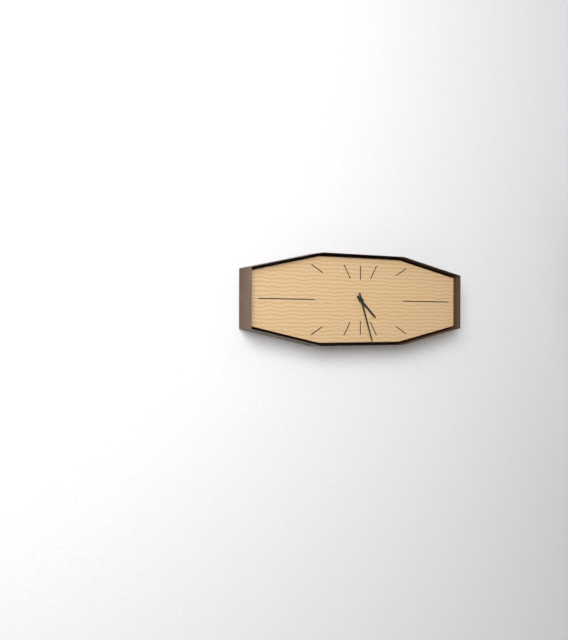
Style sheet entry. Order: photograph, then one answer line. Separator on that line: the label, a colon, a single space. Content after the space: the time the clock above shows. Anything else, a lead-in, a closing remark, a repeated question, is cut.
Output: 4:27
